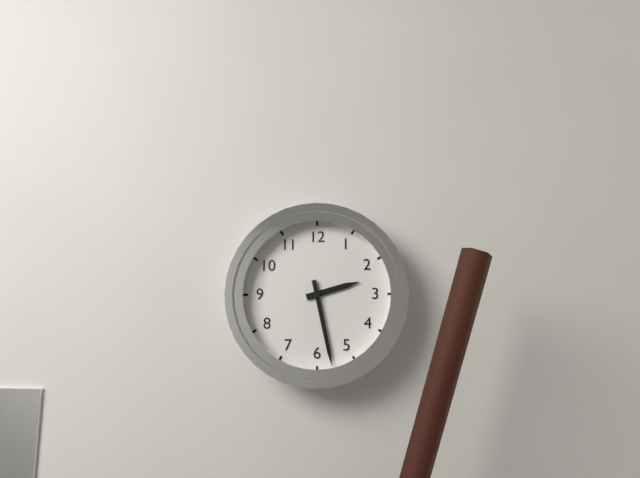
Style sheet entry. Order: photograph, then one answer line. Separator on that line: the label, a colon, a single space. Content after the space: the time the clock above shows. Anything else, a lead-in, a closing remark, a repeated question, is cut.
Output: 2:28
